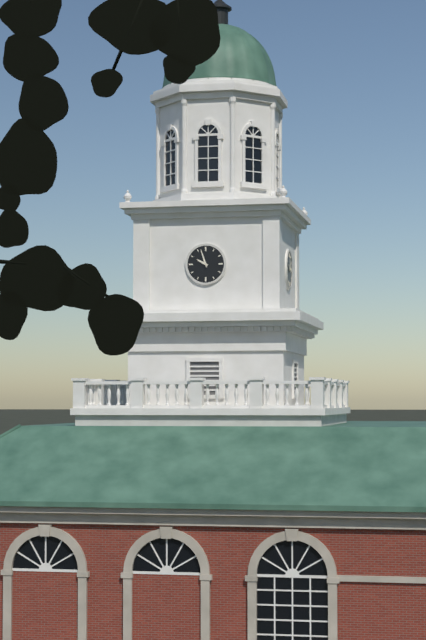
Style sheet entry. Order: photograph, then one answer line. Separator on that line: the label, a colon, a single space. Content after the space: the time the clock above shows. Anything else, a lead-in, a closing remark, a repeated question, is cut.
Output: 9:57
